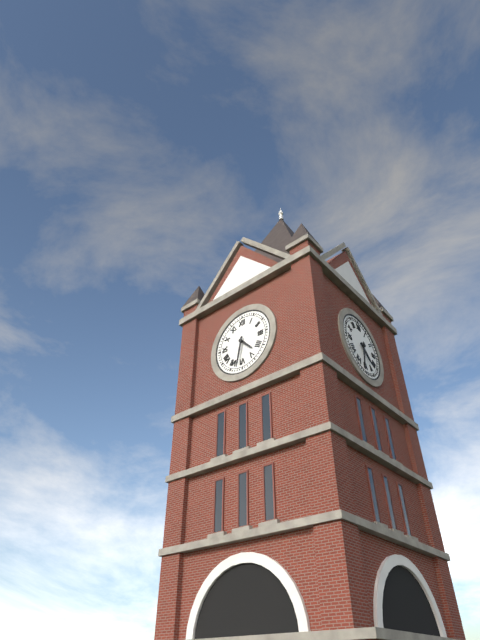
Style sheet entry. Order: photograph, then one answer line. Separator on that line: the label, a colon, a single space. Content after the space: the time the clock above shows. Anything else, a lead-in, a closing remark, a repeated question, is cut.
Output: 4:32
